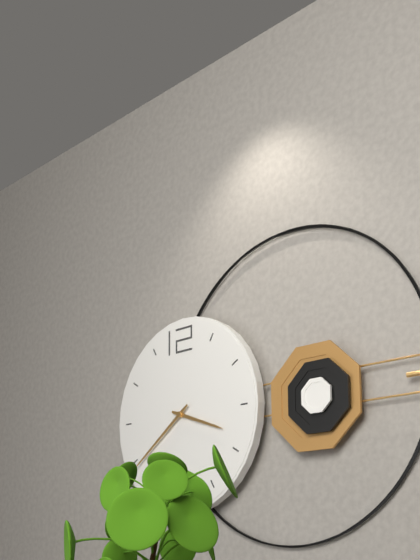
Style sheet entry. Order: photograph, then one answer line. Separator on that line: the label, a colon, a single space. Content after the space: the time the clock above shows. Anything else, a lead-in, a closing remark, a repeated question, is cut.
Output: 3:39
